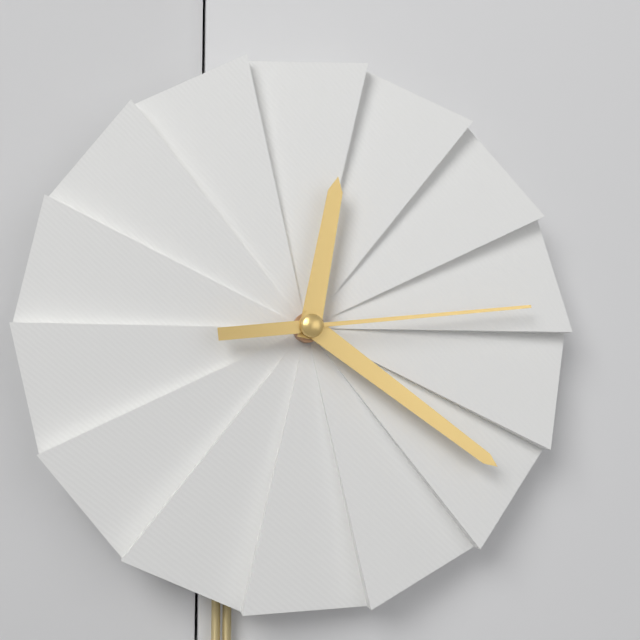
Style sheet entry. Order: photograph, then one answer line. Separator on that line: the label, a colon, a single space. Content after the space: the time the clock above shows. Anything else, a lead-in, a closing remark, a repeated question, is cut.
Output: 12:21:14
